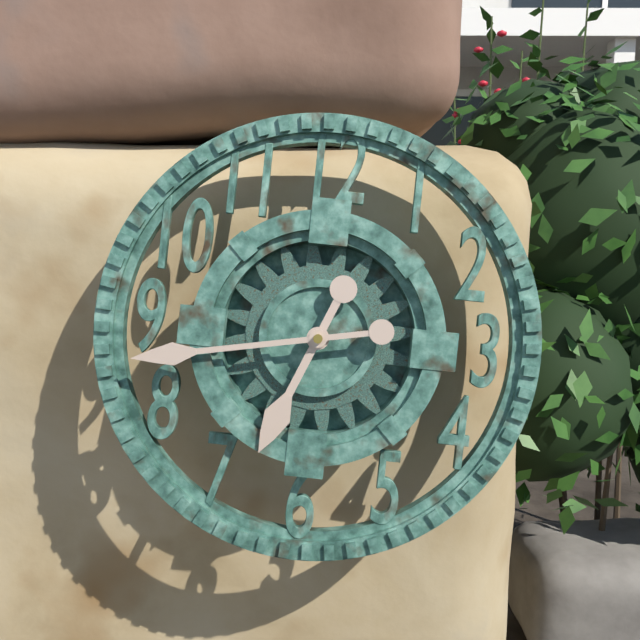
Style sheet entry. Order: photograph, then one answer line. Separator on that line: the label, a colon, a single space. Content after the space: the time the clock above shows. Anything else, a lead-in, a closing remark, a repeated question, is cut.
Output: 6:43
